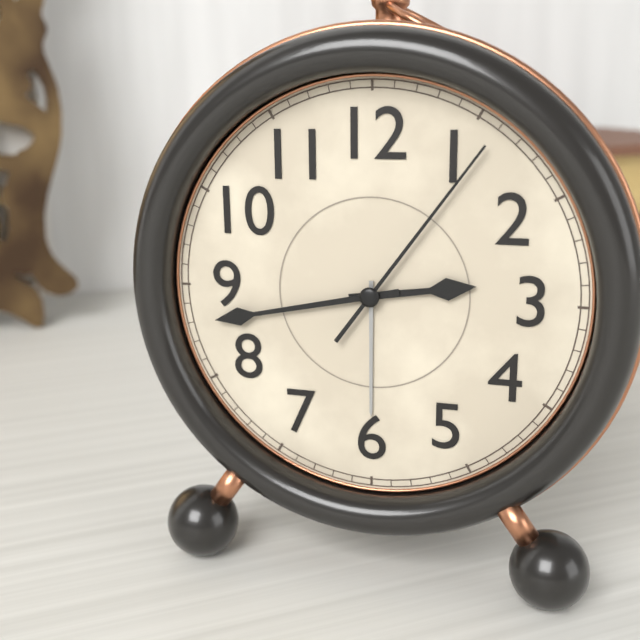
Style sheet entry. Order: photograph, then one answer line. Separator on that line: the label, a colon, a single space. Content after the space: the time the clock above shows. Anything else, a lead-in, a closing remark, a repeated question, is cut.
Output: 2:43:06
